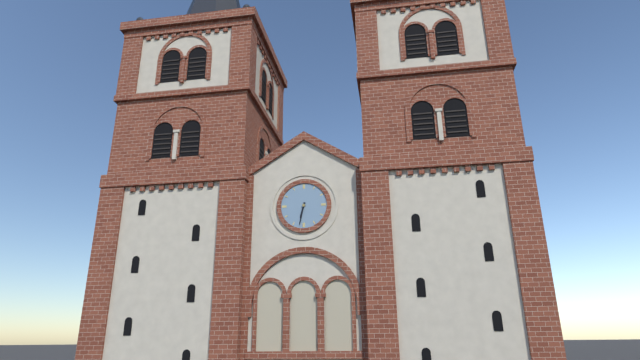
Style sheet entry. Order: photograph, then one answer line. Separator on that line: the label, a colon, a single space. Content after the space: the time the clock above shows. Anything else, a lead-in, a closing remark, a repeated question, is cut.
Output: 6:32
